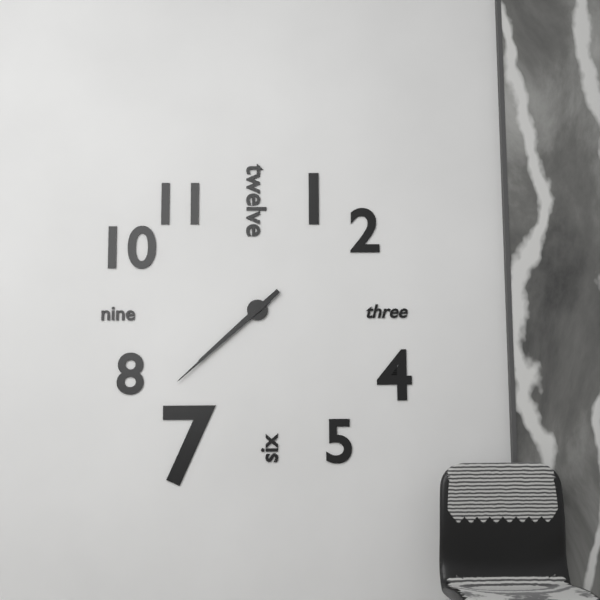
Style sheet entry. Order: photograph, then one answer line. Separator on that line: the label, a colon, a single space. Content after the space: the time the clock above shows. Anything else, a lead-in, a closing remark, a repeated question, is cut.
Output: 7:38
